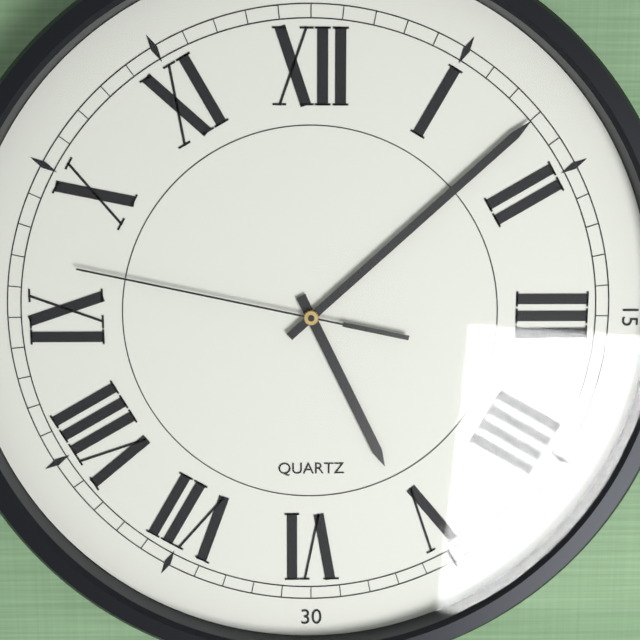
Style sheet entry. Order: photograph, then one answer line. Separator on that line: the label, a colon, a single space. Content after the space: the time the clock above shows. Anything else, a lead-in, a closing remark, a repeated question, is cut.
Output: 5:08:47
